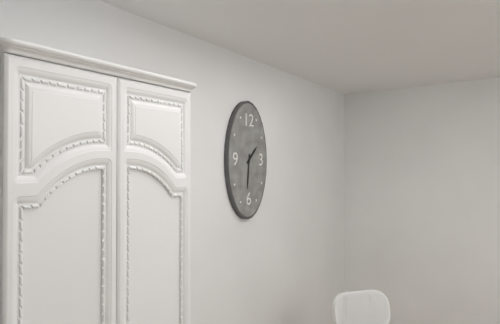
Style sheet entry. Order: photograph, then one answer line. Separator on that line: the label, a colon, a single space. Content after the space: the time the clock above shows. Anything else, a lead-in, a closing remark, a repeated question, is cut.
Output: 1:31
